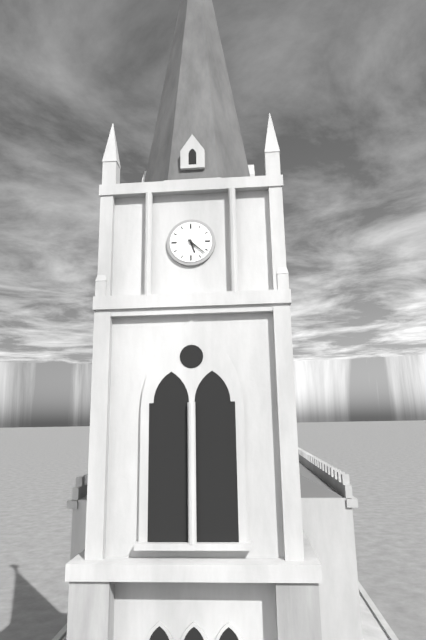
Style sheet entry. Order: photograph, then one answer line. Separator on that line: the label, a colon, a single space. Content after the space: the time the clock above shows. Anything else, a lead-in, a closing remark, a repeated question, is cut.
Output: 5:22
